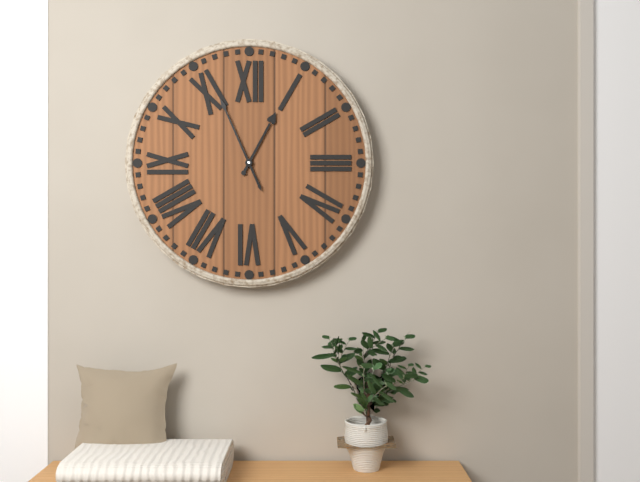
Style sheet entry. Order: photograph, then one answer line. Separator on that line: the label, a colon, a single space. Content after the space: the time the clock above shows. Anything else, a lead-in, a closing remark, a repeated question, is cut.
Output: 12:56
